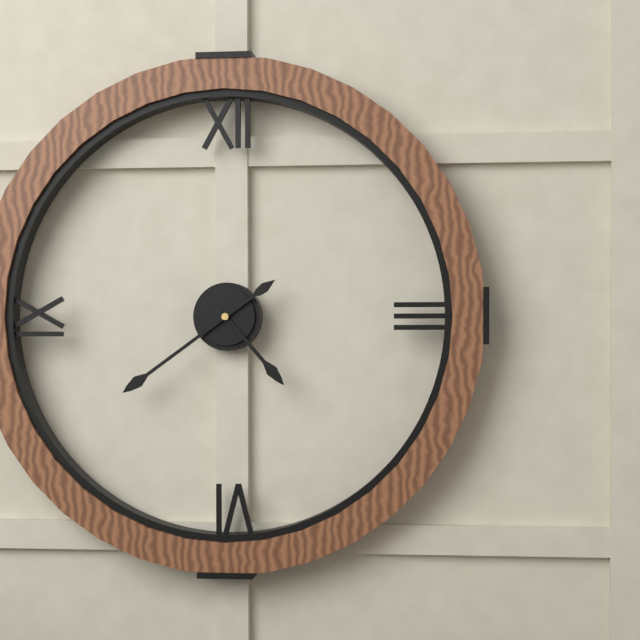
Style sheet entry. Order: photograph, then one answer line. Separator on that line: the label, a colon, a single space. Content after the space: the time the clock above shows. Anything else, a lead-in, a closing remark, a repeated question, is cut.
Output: 4:39
